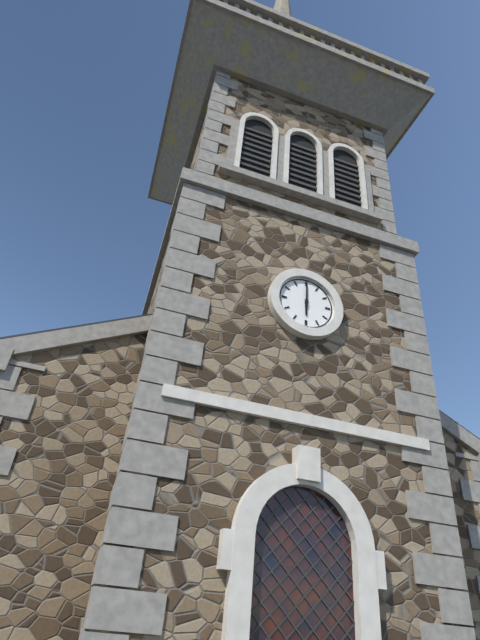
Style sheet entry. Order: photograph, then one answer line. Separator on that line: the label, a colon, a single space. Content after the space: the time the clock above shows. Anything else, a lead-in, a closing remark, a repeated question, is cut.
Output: 6:00
